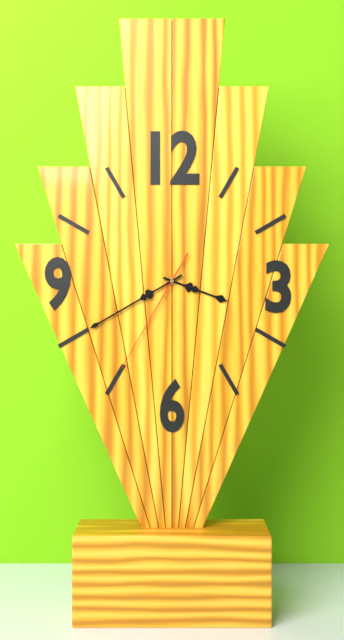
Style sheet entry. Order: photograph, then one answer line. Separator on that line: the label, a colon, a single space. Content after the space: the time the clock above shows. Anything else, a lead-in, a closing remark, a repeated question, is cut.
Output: 3:40:35
